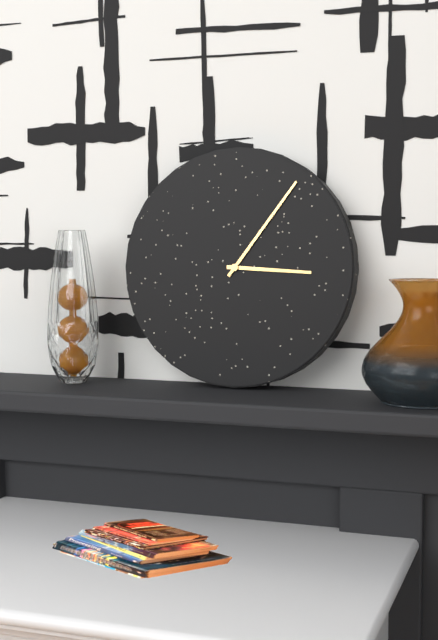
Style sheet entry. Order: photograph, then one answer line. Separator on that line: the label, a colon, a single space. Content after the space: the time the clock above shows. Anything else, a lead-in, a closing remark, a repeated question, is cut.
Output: 3:06
